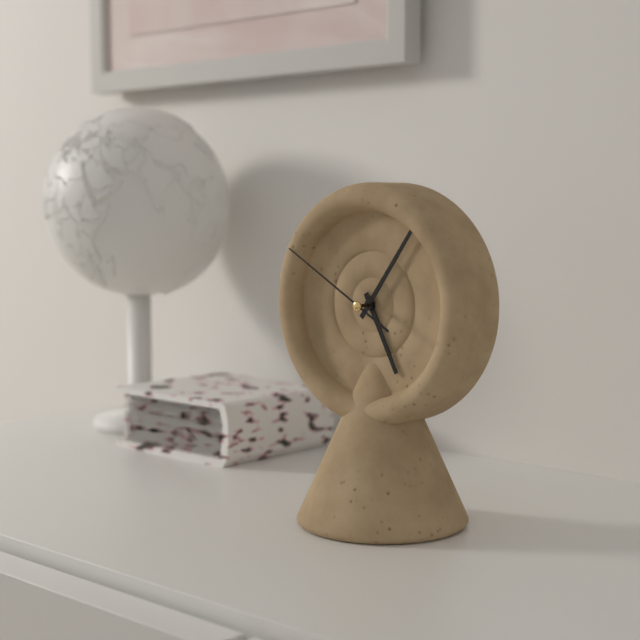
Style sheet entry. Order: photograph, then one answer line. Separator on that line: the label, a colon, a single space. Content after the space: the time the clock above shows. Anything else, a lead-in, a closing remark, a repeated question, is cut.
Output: 5:06:50
